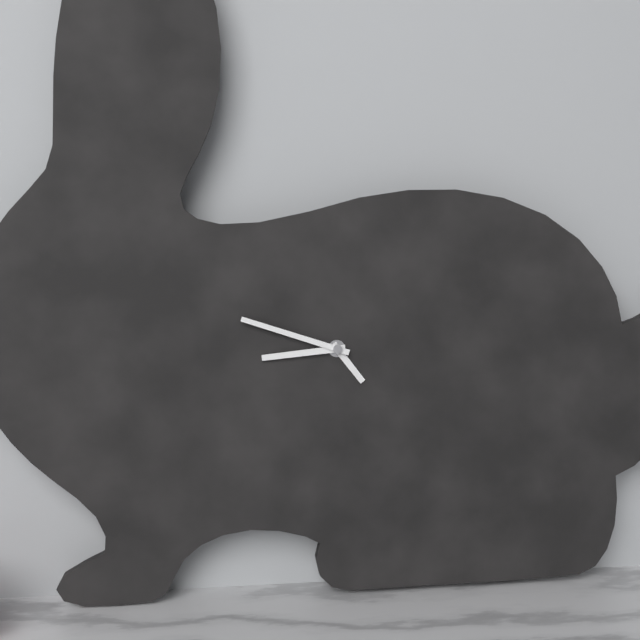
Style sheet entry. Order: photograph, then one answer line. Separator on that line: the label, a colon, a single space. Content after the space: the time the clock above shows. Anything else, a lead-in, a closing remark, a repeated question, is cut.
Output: 4:44:48
